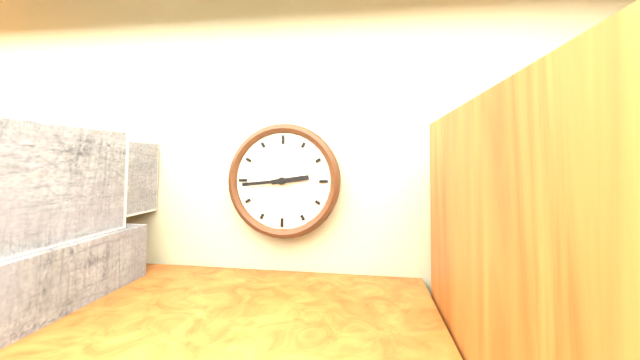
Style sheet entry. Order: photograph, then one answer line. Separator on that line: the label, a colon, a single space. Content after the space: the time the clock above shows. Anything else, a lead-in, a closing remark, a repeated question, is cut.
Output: 2:44
